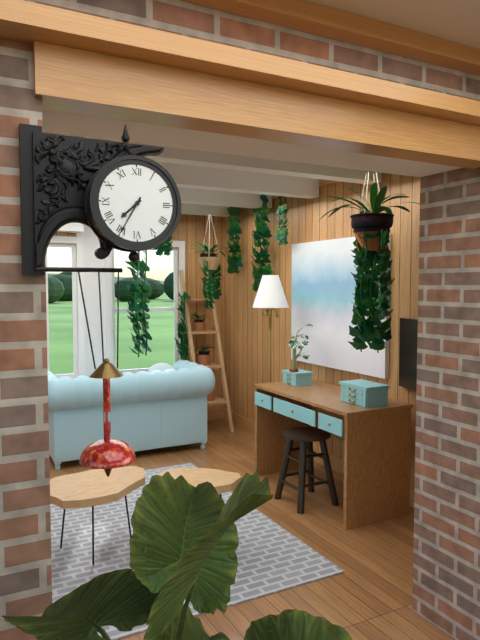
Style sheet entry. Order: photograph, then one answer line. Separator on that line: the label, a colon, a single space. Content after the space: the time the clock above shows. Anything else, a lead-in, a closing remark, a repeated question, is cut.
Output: 7:35
